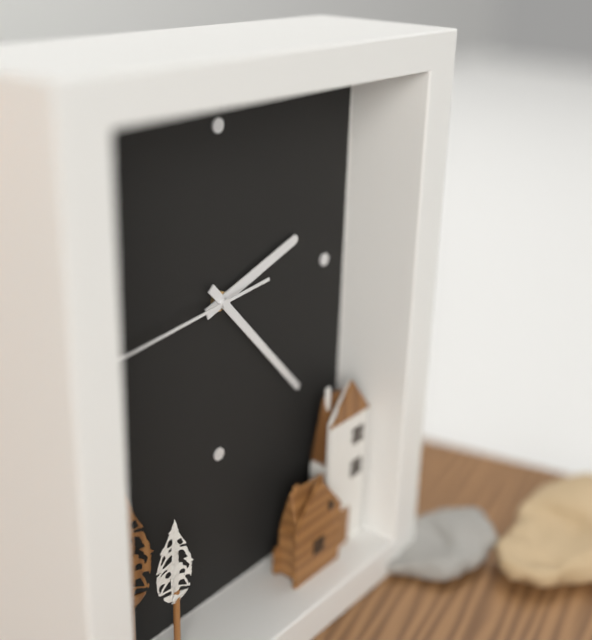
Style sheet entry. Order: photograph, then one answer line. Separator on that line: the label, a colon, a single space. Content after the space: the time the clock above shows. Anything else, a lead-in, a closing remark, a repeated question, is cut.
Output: 2:23:44
